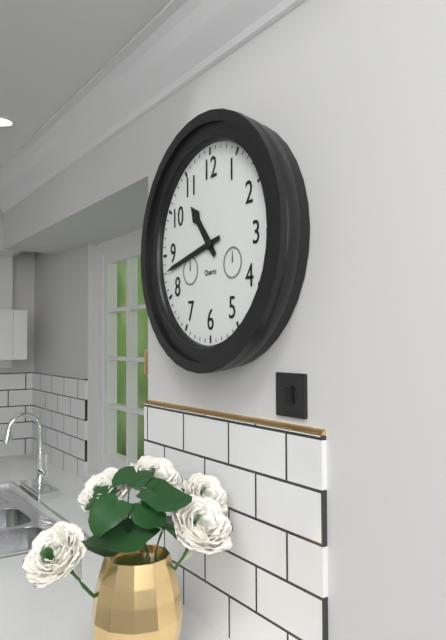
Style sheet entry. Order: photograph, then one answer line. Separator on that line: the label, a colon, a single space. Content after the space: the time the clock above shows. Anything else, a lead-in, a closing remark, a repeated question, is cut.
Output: 10:43
